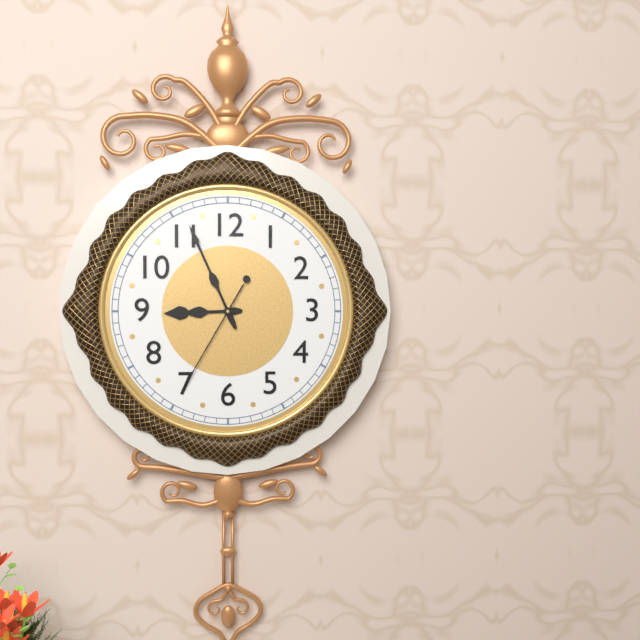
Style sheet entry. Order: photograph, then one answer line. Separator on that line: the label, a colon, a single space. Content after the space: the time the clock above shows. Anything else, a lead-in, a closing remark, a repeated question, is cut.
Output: 8:56:35
